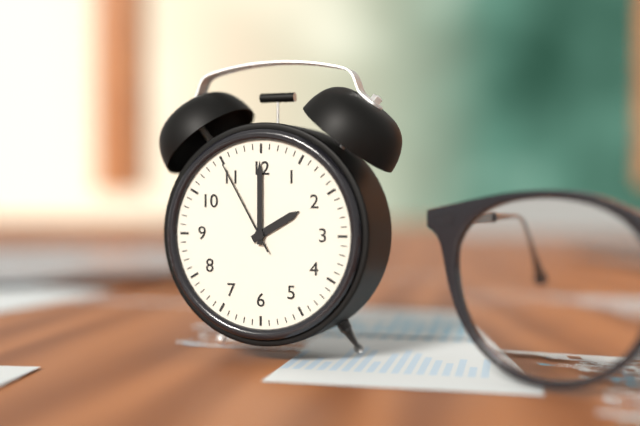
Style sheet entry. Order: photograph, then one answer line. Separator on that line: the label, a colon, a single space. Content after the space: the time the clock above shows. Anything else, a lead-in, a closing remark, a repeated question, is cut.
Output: 2:00:55
